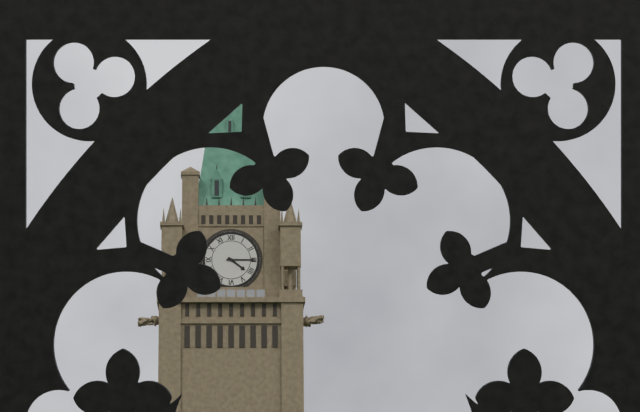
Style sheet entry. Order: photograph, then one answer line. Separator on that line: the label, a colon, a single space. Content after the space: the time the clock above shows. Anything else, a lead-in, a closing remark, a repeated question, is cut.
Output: 4:15
